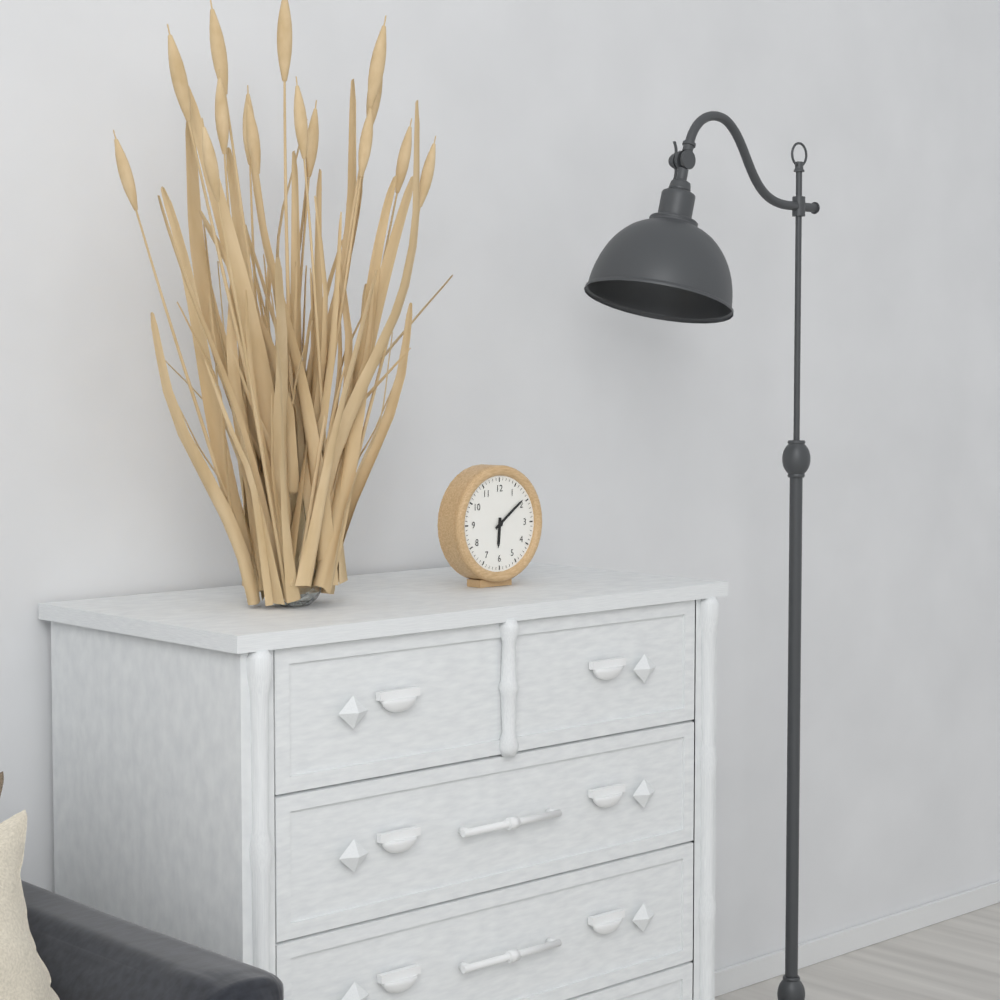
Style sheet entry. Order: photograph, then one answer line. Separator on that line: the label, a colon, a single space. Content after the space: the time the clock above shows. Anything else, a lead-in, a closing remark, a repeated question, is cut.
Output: 6:09
